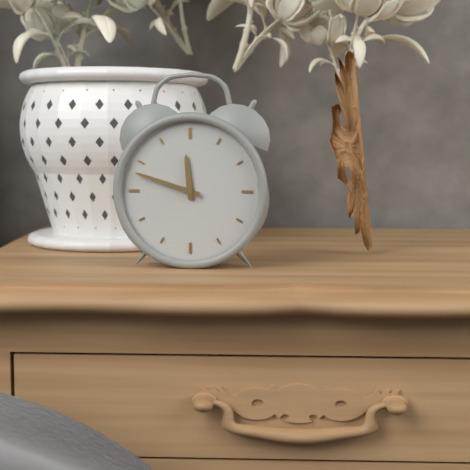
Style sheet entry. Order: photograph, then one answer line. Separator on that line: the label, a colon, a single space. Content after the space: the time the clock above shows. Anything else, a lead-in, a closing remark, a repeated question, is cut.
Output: 11:48
